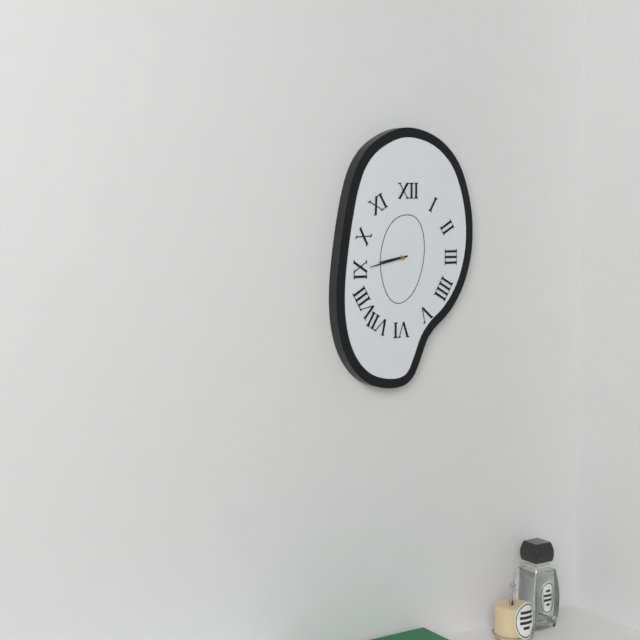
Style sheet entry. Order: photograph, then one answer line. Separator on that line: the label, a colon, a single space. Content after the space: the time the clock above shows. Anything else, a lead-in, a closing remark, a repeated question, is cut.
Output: 8:43
